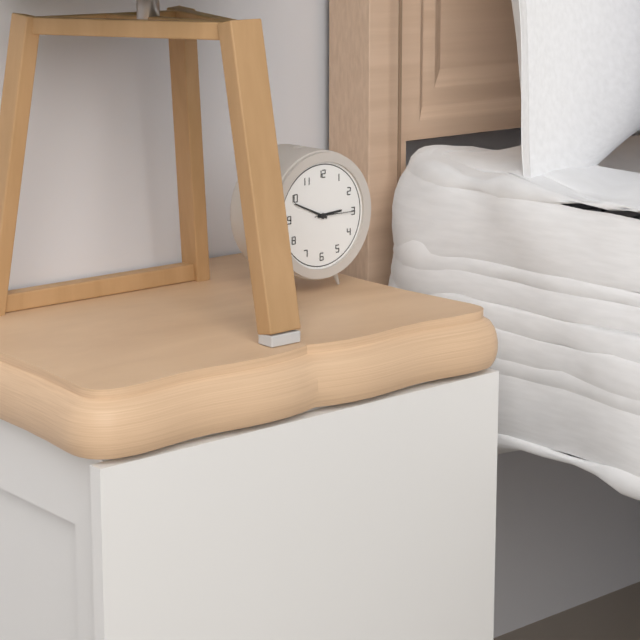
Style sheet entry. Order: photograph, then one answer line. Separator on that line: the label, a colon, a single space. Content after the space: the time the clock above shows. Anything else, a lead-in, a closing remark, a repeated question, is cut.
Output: 2:49
